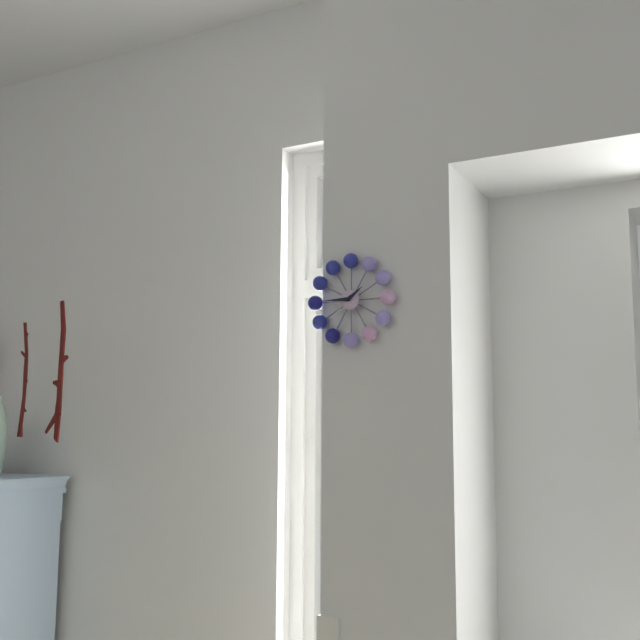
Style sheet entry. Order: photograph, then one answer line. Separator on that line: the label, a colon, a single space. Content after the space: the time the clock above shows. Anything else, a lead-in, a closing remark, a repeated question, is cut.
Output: 1:45
